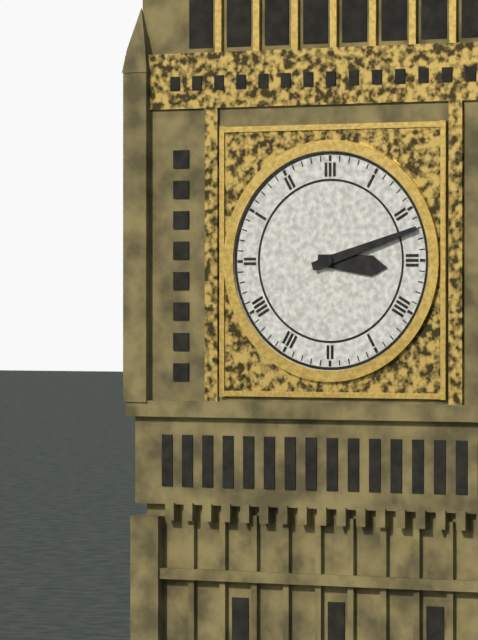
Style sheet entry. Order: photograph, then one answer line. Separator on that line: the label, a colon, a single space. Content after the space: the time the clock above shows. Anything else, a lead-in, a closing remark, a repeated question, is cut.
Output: 3:12
